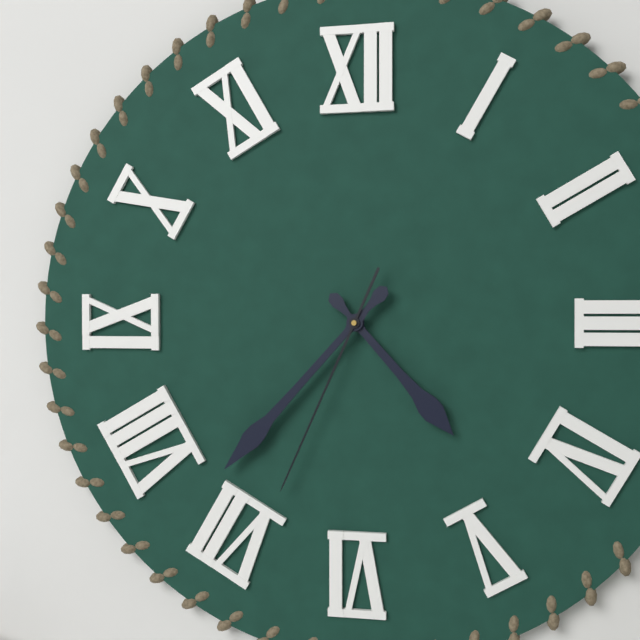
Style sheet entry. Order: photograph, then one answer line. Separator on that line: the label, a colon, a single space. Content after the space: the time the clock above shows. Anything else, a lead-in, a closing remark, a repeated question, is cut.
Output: 4:37:34
